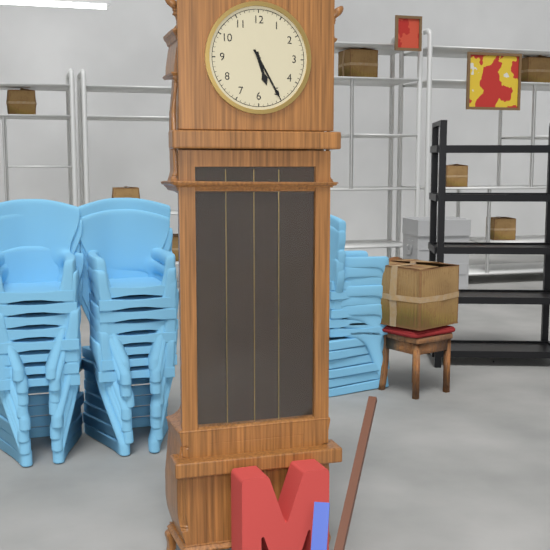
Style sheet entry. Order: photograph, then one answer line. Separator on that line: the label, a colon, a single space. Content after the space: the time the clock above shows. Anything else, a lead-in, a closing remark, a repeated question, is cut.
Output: 5:25
